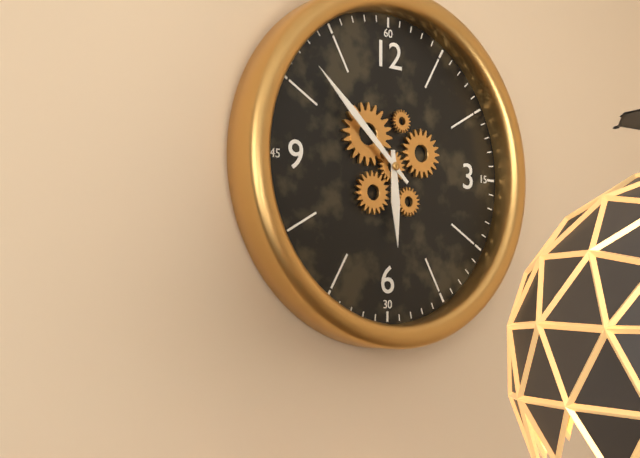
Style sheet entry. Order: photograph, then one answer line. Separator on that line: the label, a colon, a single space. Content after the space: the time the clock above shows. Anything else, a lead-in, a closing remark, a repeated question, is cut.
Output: 5:52
